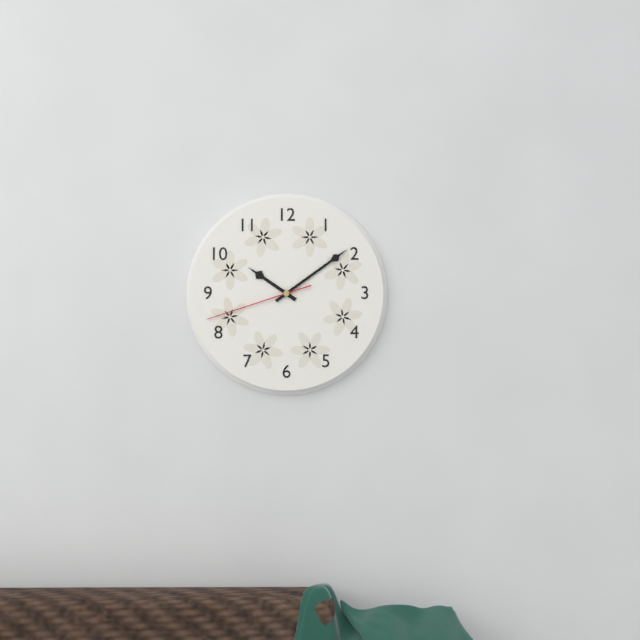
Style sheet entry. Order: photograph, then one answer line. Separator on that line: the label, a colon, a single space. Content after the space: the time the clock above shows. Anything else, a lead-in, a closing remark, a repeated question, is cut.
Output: 10:09:42
